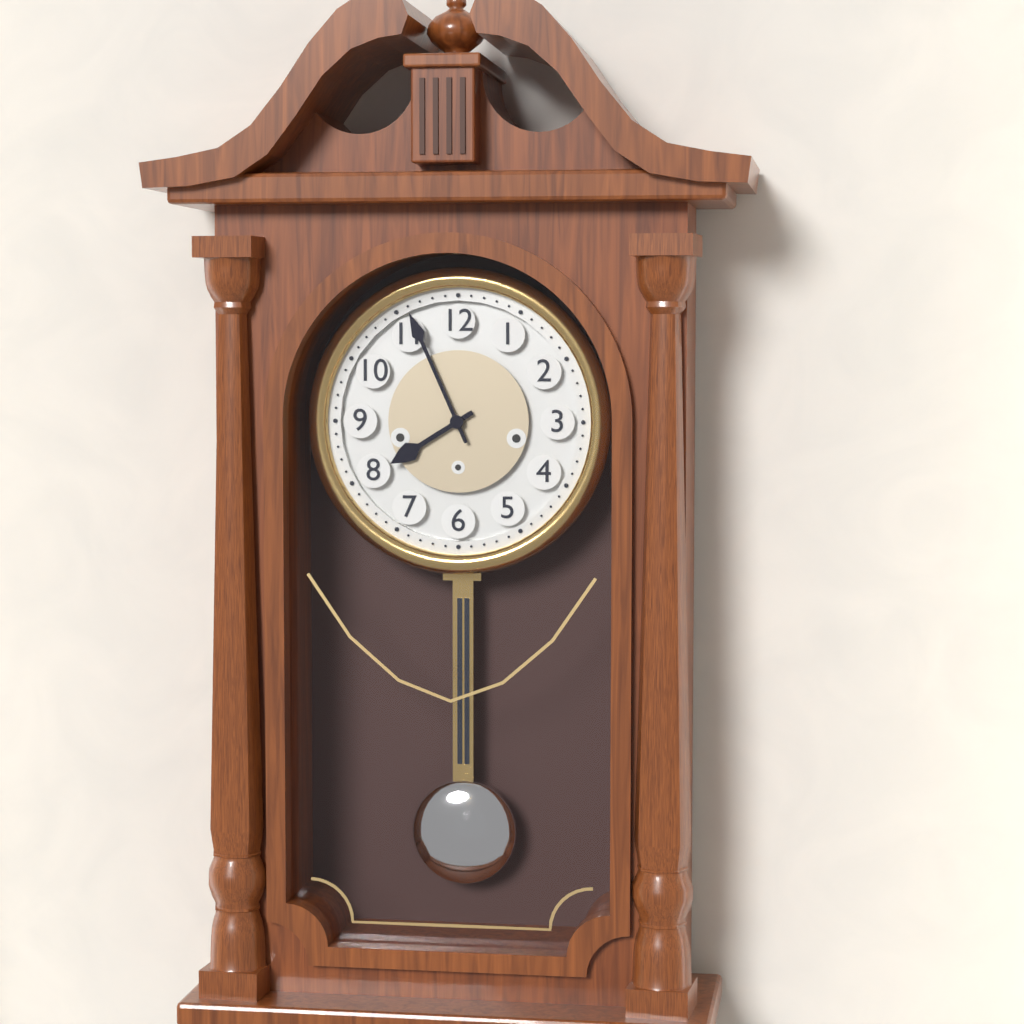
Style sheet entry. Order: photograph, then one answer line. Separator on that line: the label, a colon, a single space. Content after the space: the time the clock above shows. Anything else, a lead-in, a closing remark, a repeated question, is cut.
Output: 7:56
